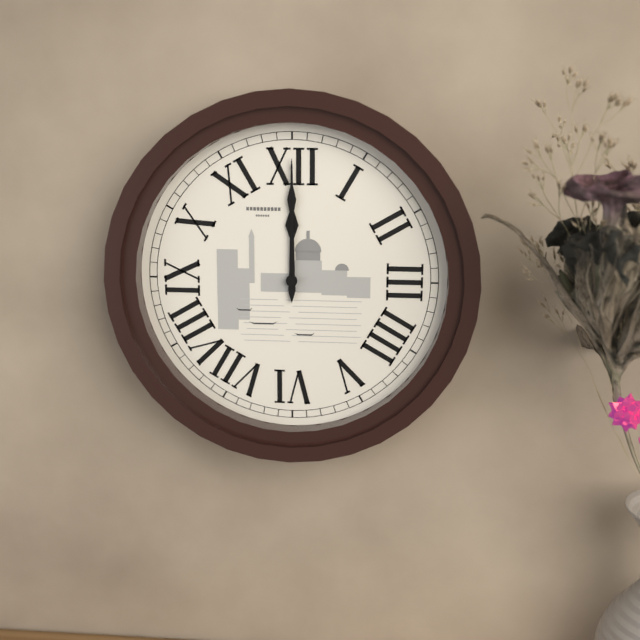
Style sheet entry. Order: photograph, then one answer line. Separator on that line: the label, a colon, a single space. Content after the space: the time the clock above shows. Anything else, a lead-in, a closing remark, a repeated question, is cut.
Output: 12:00
